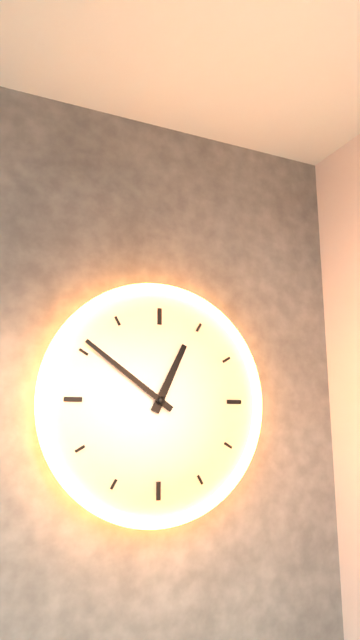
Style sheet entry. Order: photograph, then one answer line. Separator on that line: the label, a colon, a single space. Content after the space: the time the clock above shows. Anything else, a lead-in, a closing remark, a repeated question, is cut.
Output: 12:51
